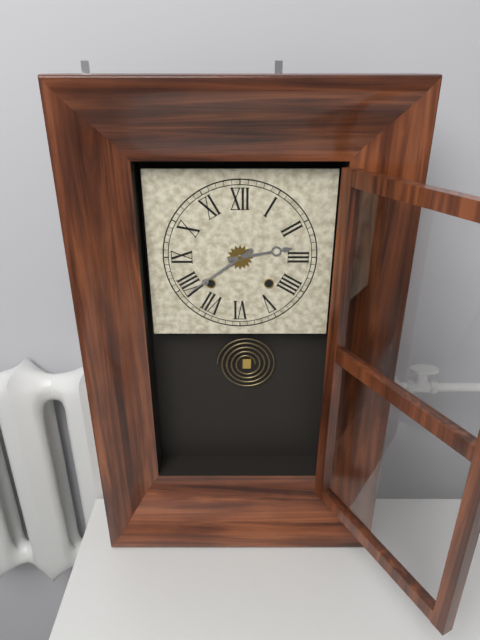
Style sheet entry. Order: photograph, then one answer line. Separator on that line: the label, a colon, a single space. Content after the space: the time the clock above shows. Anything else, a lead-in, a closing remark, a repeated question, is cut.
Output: 2:39
